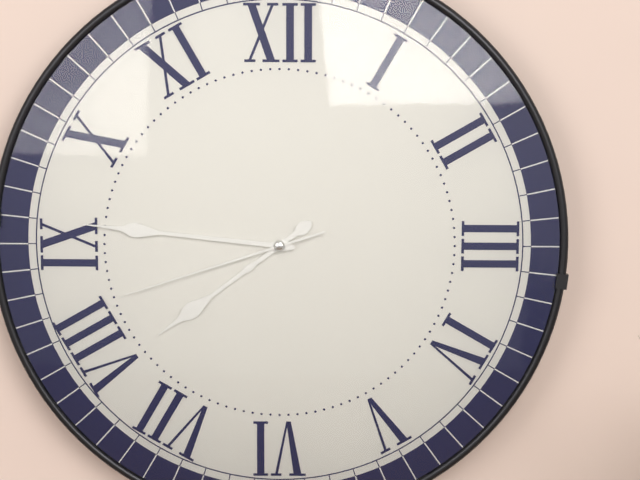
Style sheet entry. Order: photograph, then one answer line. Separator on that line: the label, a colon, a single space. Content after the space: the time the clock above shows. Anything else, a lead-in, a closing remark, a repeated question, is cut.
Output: 7:46:42
